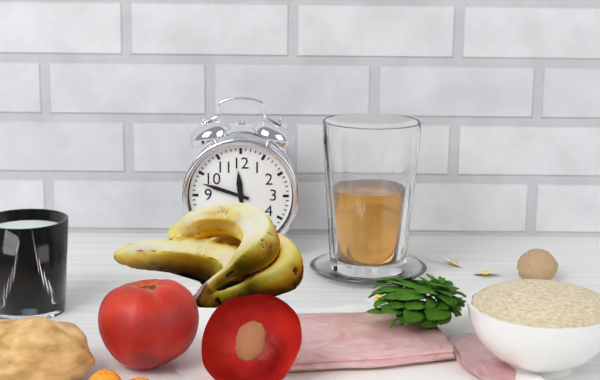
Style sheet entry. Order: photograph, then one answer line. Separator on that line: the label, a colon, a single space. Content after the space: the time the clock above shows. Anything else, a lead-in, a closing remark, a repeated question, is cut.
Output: 11:48
